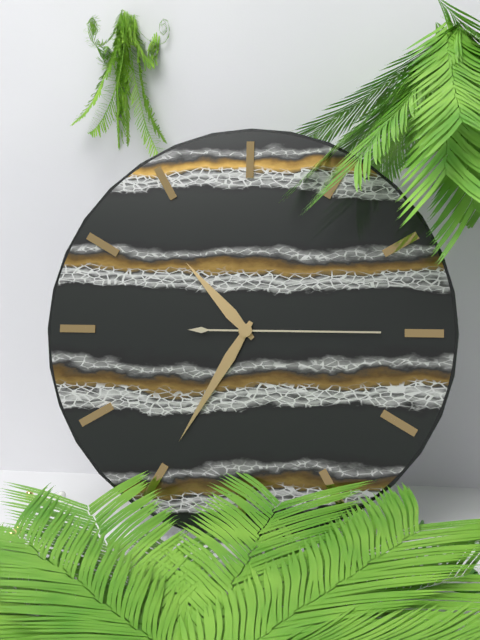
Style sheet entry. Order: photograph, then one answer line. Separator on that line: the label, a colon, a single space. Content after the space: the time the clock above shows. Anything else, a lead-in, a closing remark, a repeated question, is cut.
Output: 10:35:15
